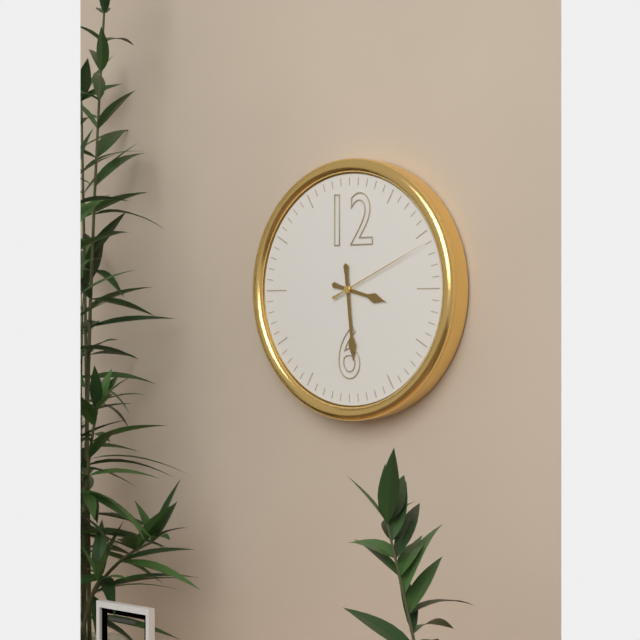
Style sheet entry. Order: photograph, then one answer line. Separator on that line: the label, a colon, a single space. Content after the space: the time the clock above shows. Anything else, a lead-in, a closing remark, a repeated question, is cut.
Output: 3:29:11
